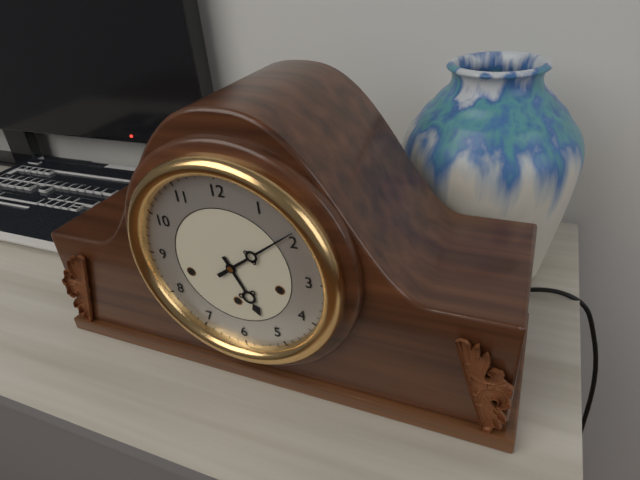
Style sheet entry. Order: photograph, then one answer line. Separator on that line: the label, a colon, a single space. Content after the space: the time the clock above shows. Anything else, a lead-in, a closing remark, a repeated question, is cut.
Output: 5:09
